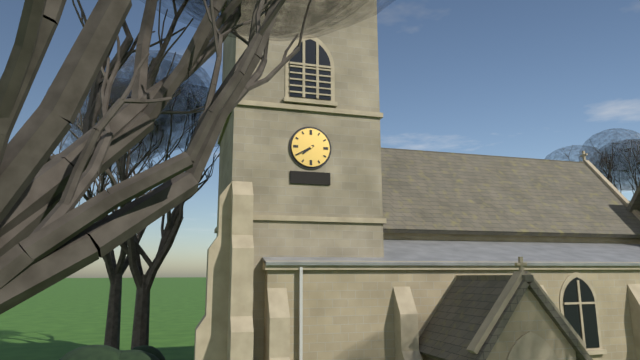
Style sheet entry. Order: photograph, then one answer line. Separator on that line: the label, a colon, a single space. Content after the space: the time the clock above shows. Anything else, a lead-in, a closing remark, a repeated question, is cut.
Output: 7:40
